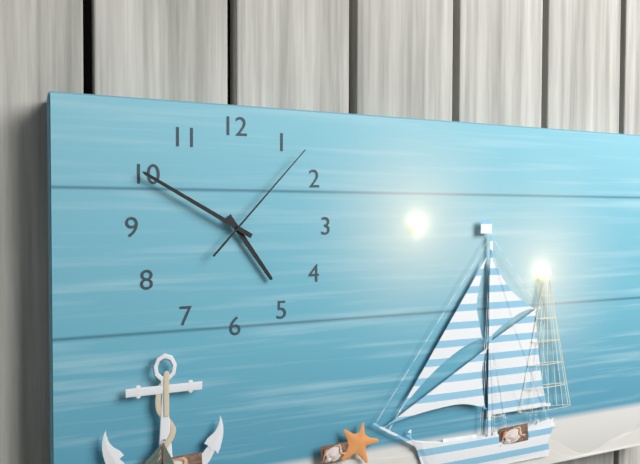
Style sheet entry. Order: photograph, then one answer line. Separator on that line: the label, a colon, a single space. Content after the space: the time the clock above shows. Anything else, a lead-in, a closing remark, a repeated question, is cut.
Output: 4:50:07
